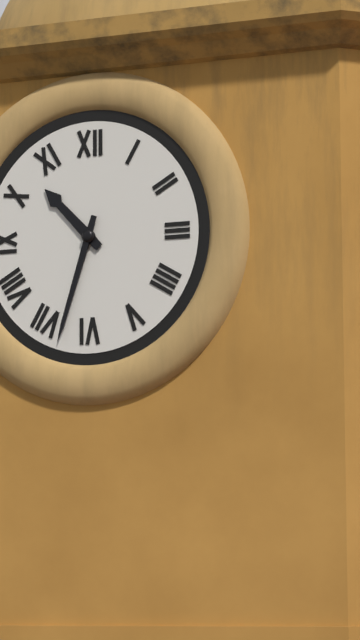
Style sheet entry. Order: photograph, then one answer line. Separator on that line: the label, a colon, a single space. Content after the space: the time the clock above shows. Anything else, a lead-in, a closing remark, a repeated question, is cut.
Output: 10:33
